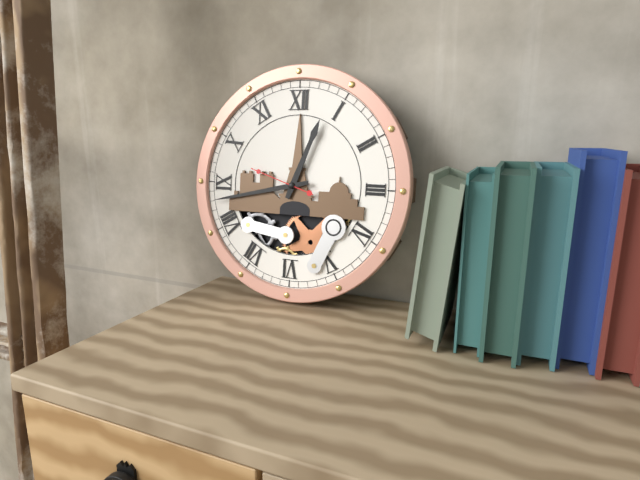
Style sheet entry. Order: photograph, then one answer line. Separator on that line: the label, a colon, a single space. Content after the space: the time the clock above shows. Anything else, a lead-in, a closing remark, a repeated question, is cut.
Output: 12:43:48
